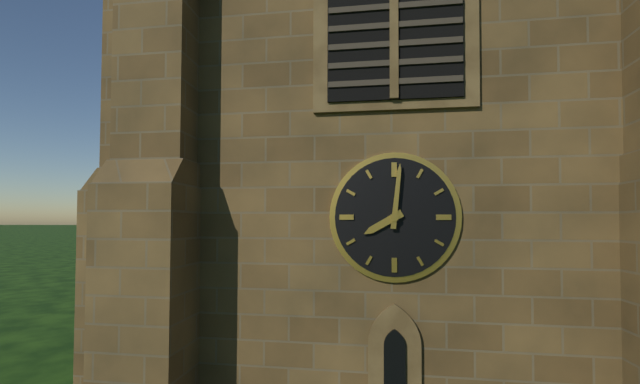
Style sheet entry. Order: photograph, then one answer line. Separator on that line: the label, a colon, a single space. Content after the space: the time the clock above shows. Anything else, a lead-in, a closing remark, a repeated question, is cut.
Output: 8:01
